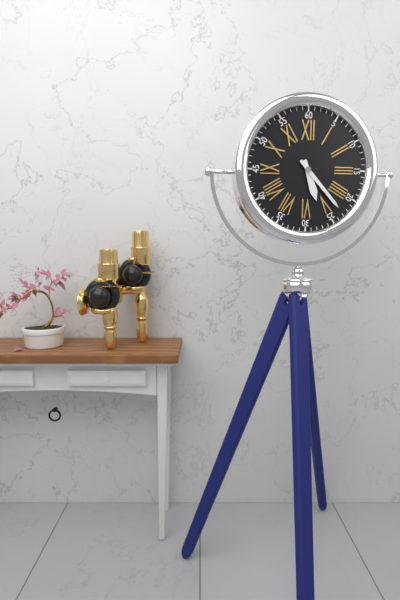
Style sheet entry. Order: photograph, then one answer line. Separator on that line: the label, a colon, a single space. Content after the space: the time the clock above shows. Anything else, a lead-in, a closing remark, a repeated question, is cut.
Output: 5:23
